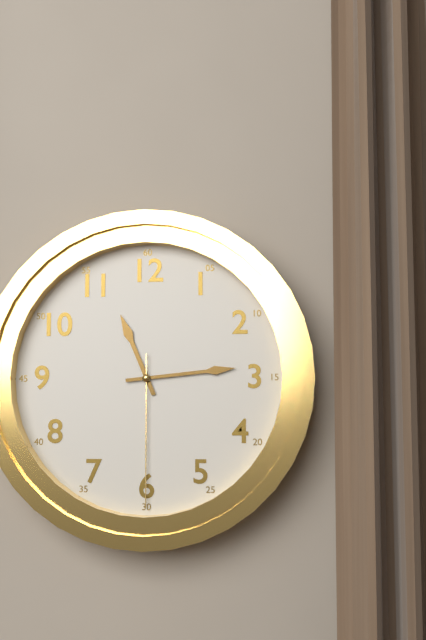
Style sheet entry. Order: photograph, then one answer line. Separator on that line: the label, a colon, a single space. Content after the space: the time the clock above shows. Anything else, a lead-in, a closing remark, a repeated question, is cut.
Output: 11:14:30
